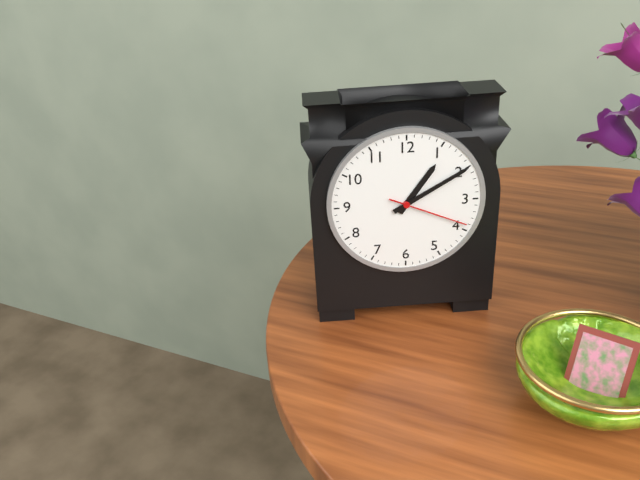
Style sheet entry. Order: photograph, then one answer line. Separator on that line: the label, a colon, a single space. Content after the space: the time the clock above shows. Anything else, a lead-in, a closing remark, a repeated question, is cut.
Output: 1:10:19
